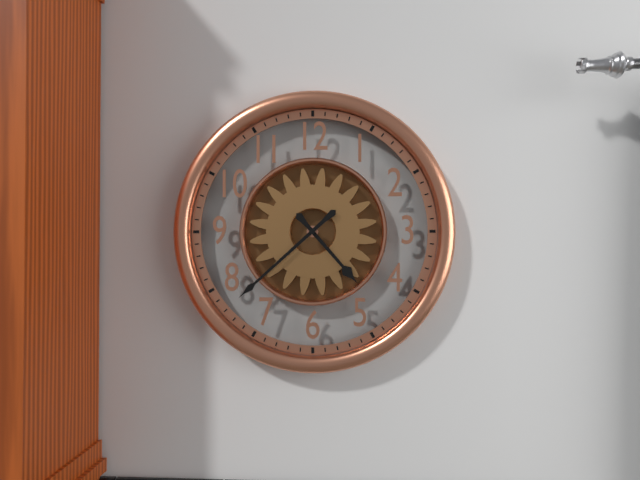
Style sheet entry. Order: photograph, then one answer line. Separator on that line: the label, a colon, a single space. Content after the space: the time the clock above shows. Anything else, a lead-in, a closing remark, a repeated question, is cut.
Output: 4:38
